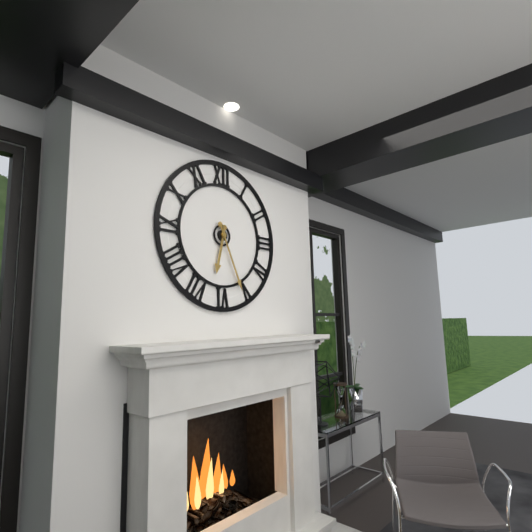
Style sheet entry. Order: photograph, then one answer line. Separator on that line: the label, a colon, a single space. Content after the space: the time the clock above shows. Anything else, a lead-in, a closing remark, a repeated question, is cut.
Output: 6:26
